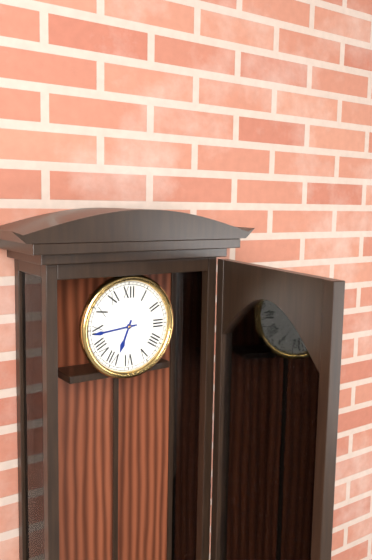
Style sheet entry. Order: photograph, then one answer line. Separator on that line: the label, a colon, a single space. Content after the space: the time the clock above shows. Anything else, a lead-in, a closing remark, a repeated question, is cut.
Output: 6:44
